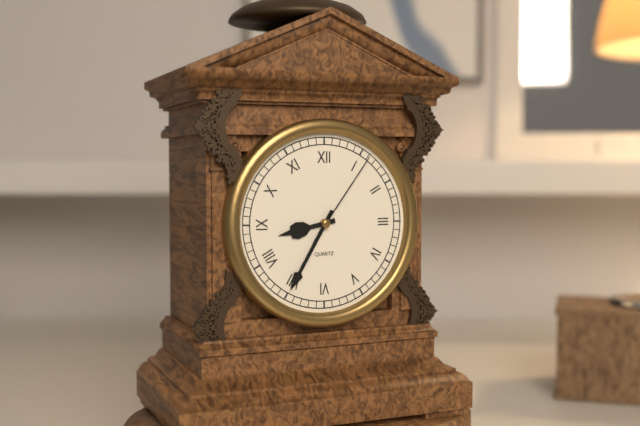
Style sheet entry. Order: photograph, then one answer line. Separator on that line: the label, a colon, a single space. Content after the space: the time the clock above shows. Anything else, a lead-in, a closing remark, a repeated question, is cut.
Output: 8:35:06
